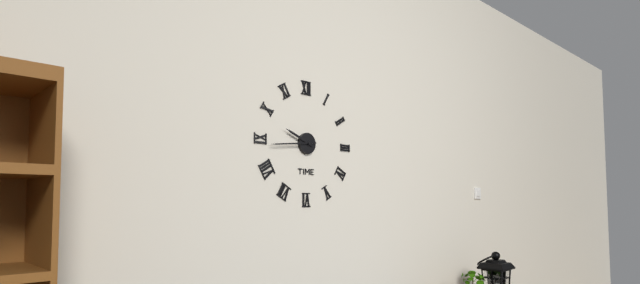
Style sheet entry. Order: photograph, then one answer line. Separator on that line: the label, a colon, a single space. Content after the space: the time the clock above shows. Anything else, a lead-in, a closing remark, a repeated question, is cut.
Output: 9:44
